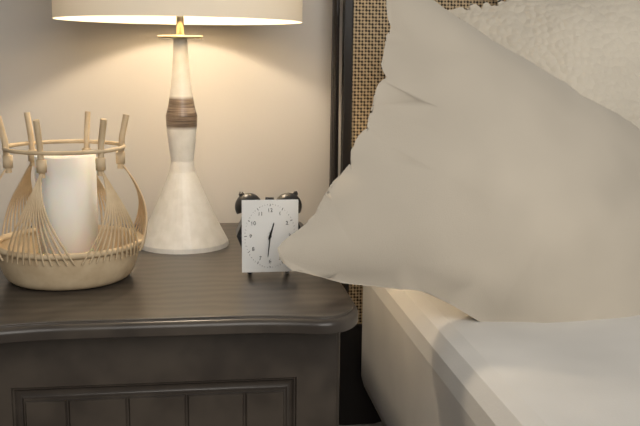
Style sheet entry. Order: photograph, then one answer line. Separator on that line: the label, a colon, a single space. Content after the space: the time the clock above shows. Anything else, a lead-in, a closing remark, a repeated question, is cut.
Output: 12:31
